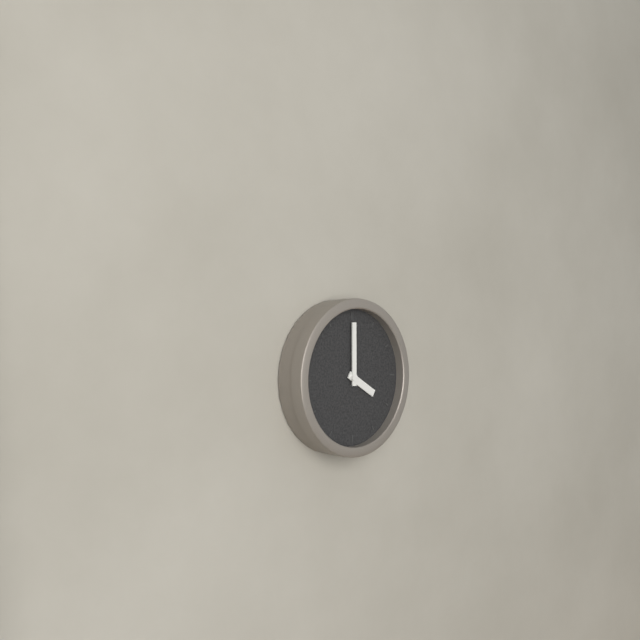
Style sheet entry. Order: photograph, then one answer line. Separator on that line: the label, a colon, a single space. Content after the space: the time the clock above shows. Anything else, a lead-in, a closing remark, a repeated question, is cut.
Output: 4:00
